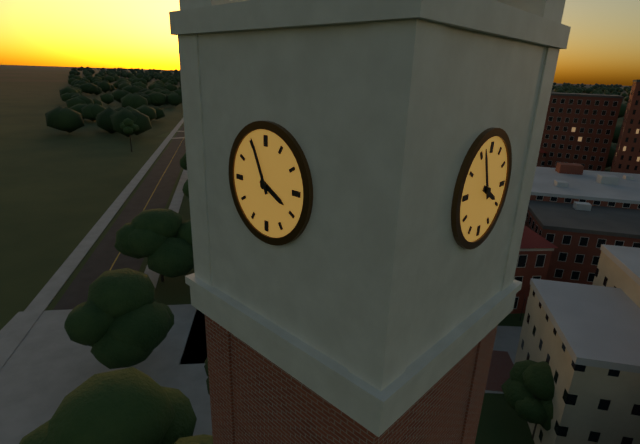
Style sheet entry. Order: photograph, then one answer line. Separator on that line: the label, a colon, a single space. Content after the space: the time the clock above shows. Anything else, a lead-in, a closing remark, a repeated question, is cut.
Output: 3:56
